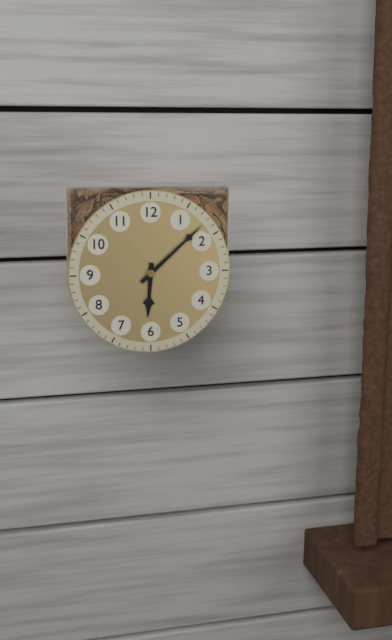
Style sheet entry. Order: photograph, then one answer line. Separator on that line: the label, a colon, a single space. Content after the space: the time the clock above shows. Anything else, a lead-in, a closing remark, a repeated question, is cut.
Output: 6:08
